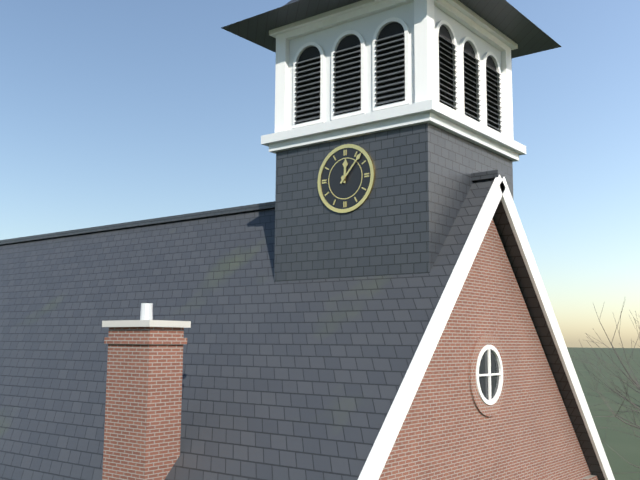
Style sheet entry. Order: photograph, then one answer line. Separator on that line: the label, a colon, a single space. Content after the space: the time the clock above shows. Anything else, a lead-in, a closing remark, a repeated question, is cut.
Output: 12:07
